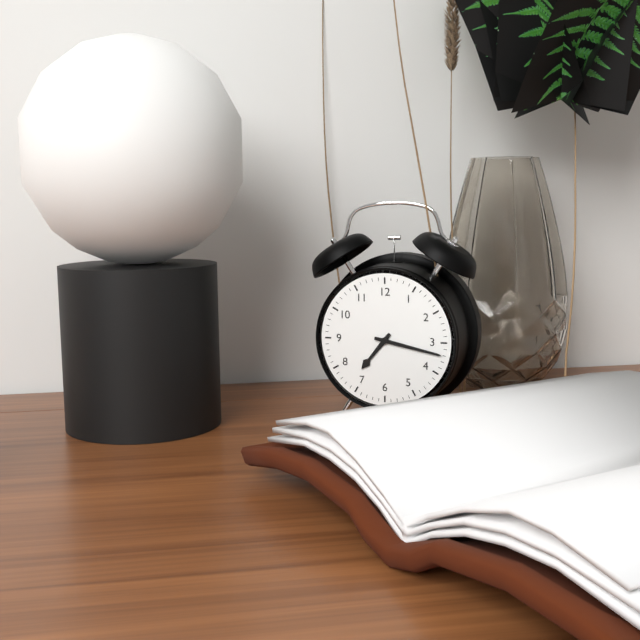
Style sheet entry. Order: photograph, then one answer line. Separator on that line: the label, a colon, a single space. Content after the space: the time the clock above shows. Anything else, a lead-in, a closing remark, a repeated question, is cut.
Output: 7:17
